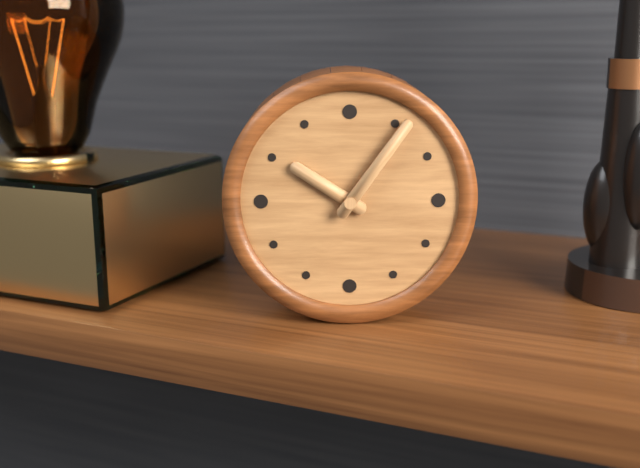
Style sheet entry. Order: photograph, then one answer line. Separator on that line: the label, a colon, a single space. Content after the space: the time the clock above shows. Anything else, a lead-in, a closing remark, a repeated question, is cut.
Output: 10:06
